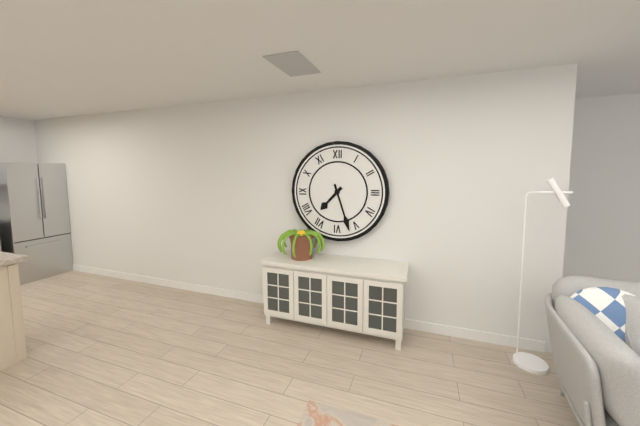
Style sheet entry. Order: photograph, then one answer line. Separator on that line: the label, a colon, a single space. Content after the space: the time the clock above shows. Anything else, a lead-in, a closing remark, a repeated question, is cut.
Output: 7:27
